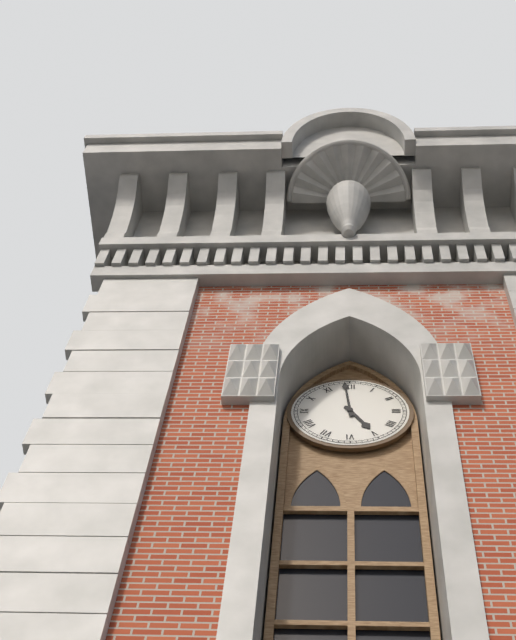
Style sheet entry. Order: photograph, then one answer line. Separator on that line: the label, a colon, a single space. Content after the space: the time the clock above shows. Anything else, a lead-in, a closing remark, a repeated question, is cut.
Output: 4:59
